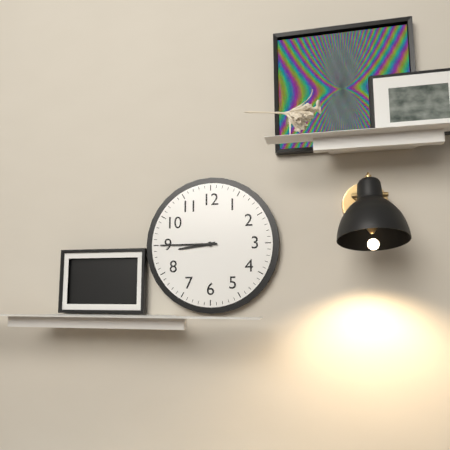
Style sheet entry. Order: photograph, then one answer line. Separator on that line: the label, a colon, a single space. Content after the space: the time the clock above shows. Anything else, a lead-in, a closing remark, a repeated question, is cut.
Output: 8:45
